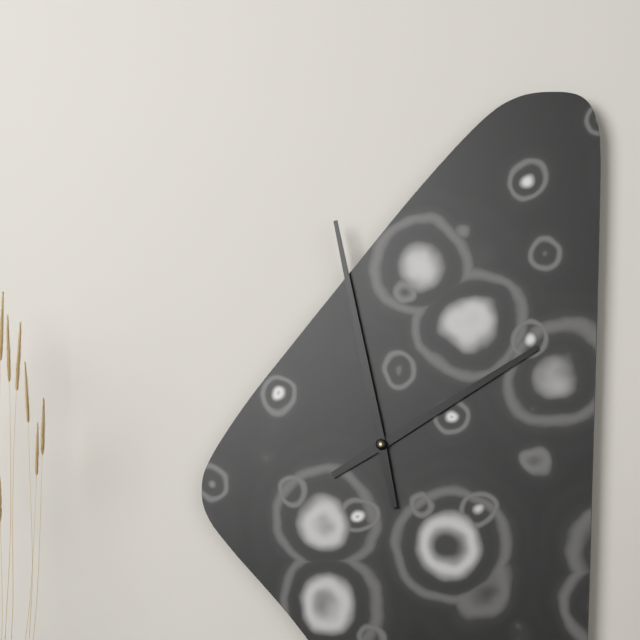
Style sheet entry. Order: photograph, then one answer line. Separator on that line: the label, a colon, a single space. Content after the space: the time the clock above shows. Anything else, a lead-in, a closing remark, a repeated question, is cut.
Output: 1:58
